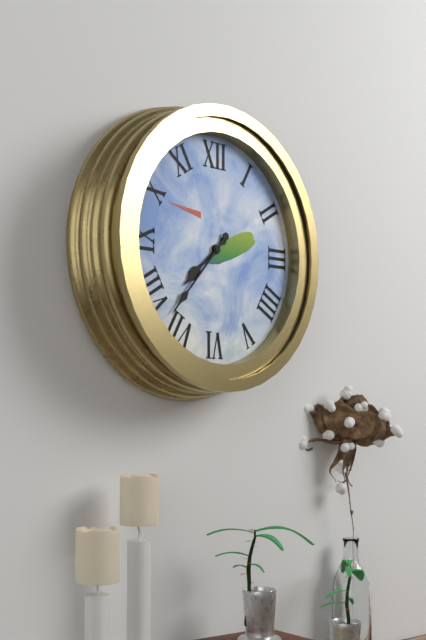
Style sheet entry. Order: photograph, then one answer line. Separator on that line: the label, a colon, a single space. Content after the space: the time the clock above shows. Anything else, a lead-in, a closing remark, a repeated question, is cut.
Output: 7:37
